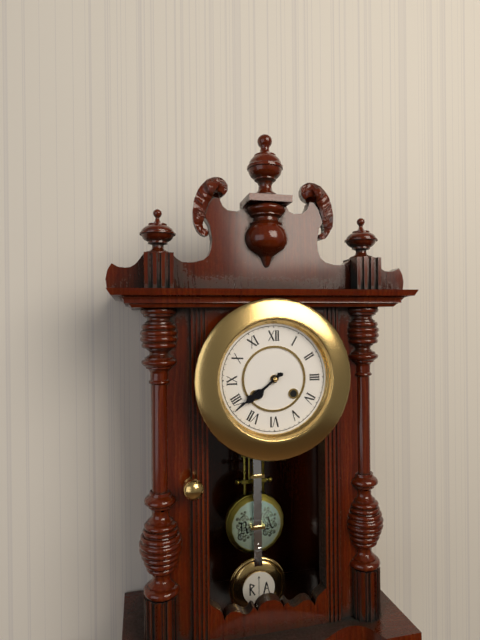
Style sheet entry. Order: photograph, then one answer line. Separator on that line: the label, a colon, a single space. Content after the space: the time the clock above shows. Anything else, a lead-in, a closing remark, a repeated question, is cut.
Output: 7:39
